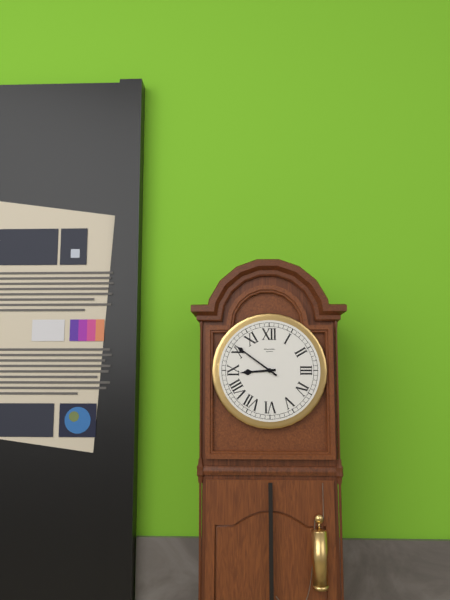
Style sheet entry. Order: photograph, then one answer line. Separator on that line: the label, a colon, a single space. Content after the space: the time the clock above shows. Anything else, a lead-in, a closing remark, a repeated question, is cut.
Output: 8:51
